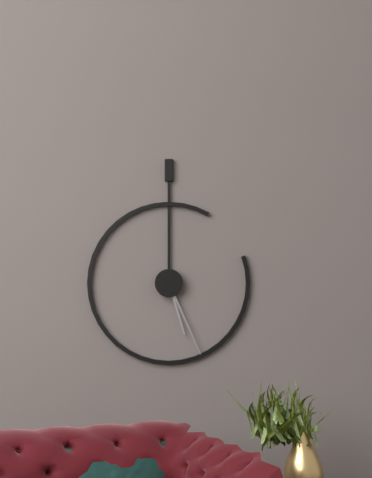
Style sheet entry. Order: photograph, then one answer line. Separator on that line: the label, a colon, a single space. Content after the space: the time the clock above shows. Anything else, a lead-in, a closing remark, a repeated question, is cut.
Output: 5:26
